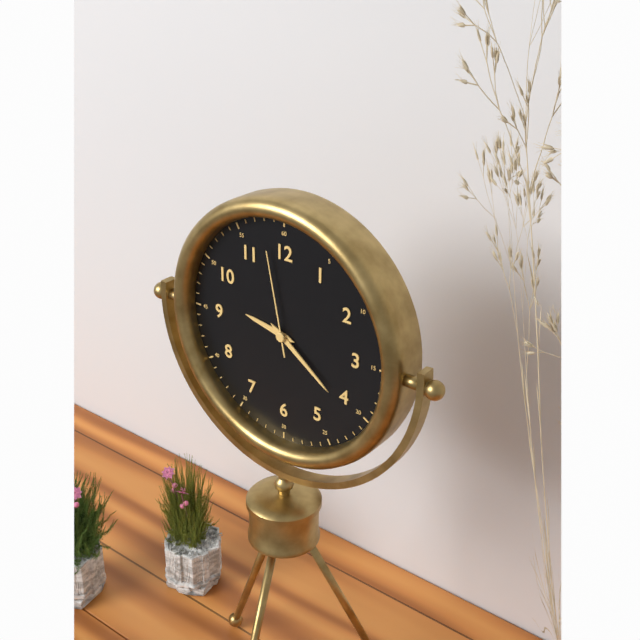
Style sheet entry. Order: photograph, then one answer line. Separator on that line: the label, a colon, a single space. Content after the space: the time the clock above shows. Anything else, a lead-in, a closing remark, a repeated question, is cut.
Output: 9:21:58
